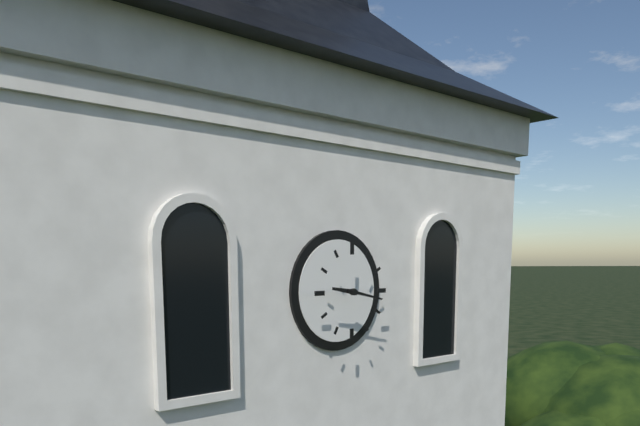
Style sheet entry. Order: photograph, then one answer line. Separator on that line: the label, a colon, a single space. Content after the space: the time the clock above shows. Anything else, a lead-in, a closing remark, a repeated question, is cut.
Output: 9:17
